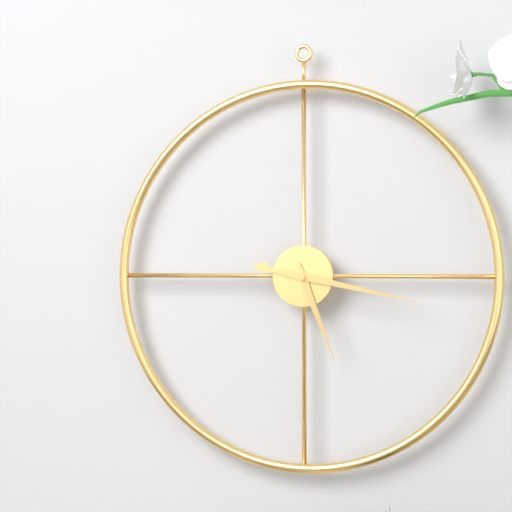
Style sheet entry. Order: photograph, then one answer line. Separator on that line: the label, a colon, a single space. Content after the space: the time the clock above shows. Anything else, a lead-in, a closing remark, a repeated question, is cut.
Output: 5:17
